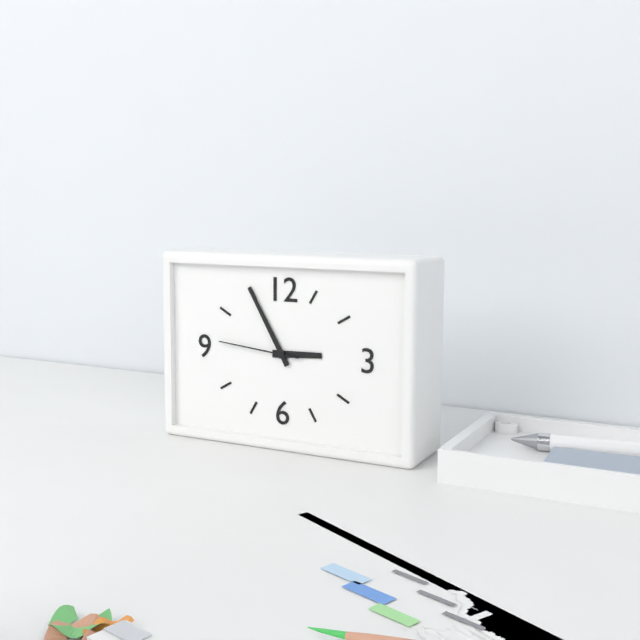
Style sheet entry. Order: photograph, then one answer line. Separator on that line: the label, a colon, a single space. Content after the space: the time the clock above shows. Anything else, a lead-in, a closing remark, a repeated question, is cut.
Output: 2:55:46
